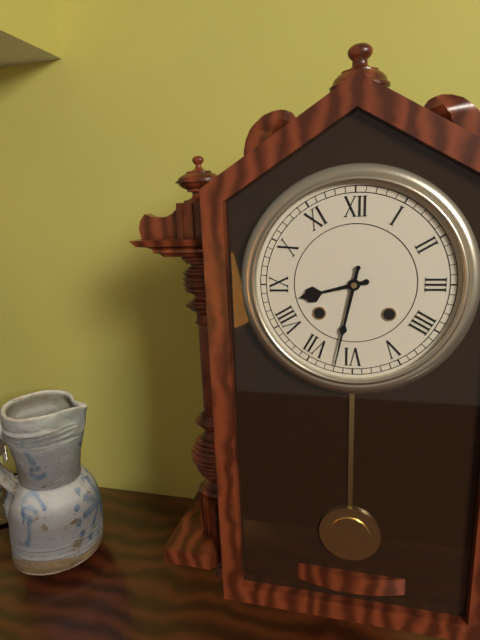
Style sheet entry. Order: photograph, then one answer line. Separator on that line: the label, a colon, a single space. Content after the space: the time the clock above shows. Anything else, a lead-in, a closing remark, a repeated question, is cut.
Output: 8:32
